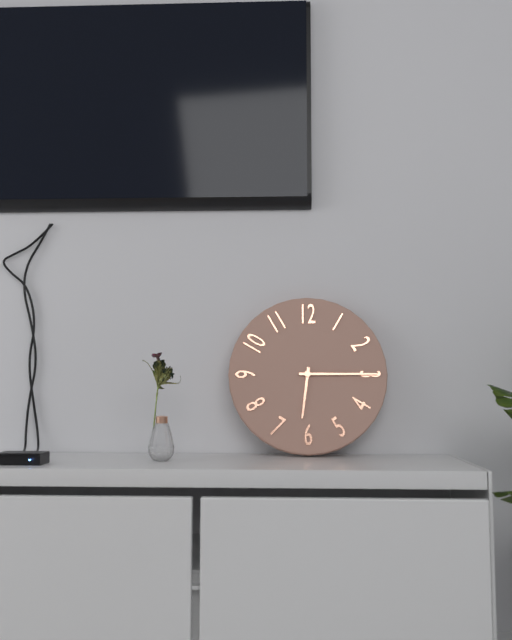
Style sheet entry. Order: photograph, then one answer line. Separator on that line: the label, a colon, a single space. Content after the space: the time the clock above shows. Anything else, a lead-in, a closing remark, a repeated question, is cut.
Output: 6:15
